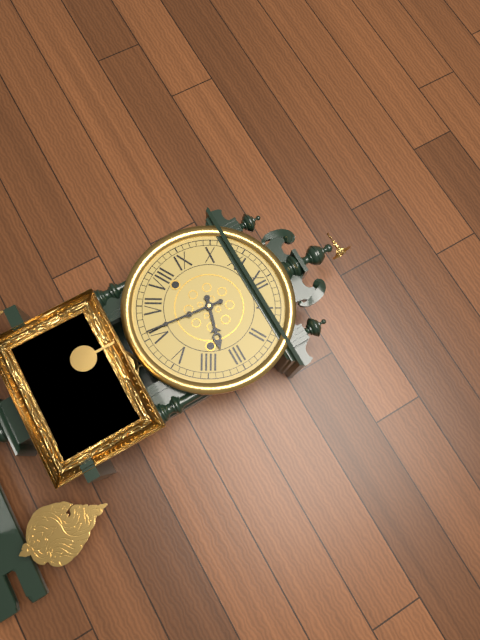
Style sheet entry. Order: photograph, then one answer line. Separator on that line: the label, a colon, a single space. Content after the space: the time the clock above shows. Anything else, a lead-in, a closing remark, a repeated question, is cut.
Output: 3:31
